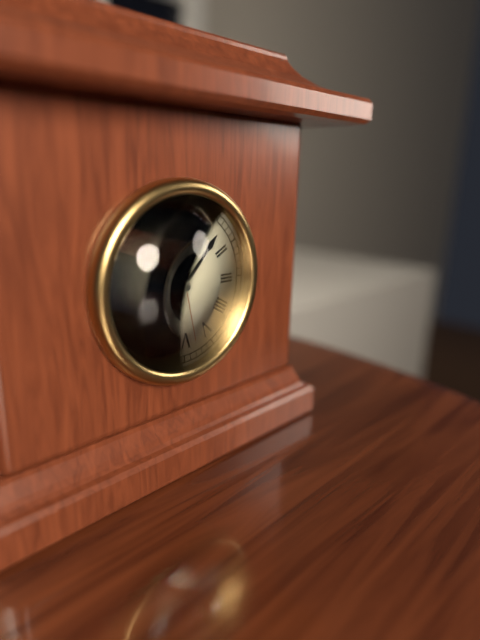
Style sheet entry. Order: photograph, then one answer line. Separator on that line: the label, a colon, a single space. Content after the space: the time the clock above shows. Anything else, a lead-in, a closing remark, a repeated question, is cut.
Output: 10:07:28
